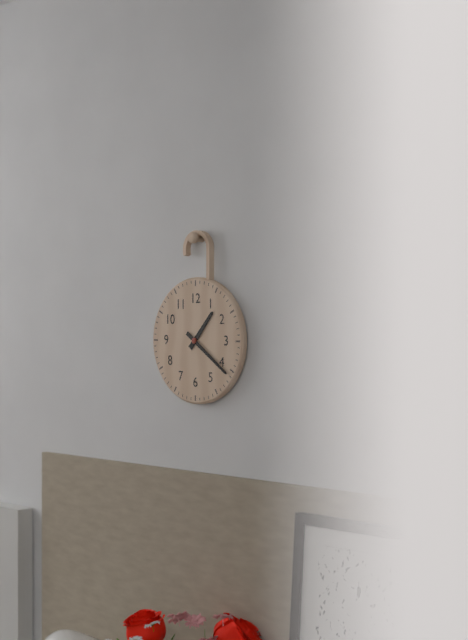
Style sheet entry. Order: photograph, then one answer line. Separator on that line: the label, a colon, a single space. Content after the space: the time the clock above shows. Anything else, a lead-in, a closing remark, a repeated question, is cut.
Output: 1:21
